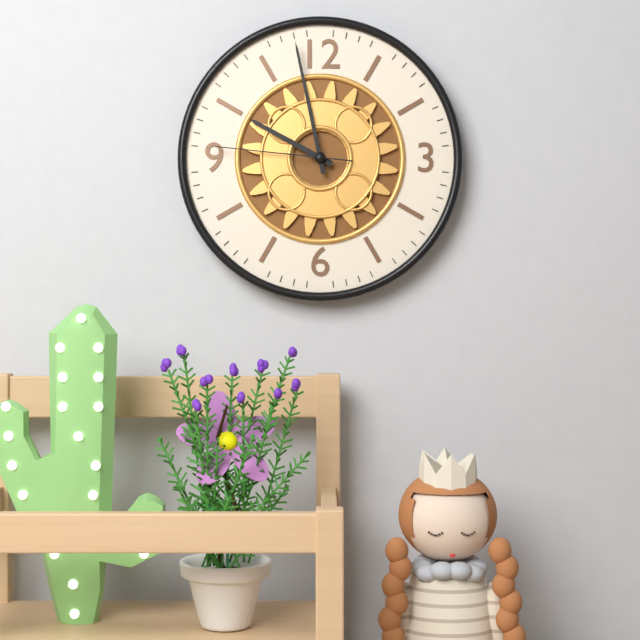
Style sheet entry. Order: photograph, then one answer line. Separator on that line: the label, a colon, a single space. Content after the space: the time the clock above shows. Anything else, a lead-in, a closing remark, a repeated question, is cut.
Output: 9:58:46
